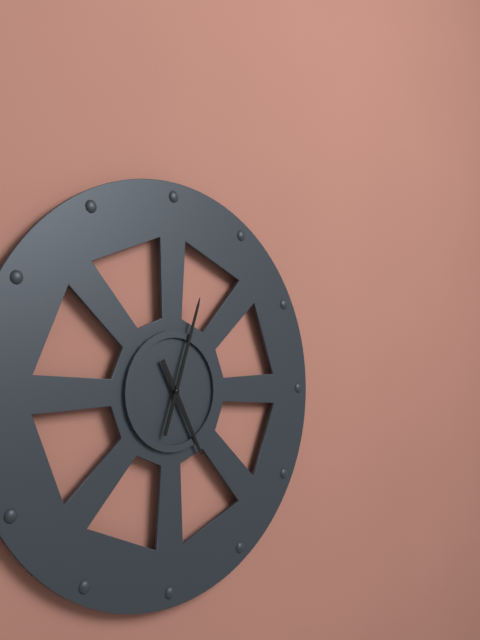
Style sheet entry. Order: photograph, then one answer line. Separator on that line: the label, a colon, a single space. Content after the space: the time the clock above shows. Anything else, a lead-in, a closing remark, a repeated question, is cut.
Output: 5:03
